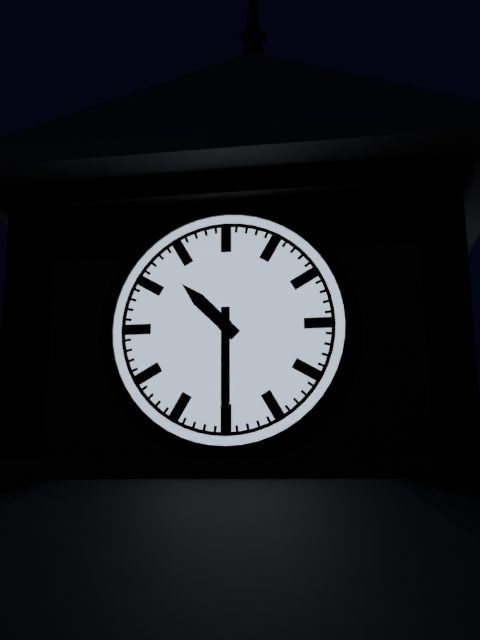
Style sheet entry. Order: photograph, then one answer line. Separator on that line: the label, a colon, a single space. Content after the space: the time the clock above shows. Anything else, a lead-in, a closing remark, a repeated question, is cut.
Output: 10:30
